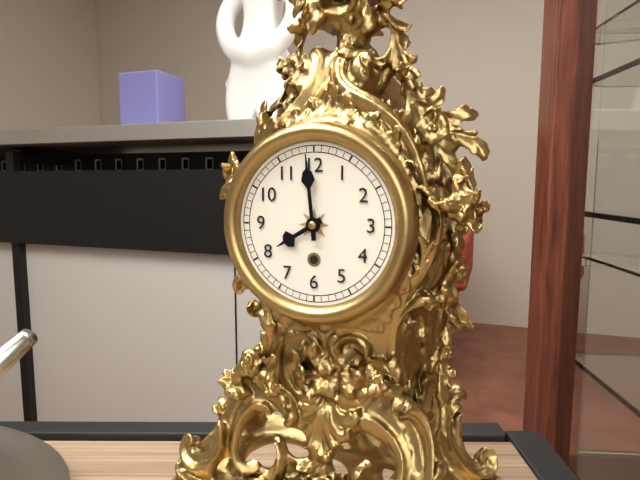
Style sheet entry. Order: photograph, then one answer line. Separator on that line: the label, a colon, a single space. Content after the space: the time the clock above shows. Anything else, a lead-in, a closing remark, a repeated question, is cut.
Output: 7:59
